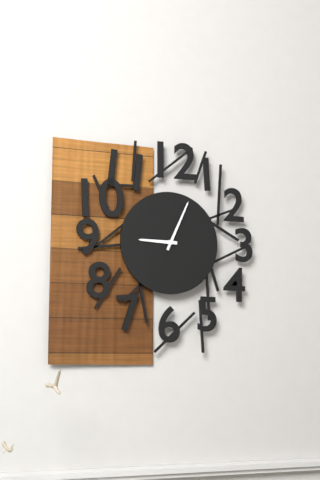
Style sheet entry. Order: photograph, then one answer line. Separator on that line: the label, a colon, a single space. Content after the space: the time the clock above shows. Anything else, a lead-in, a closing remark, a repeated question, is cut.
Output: 9:04
